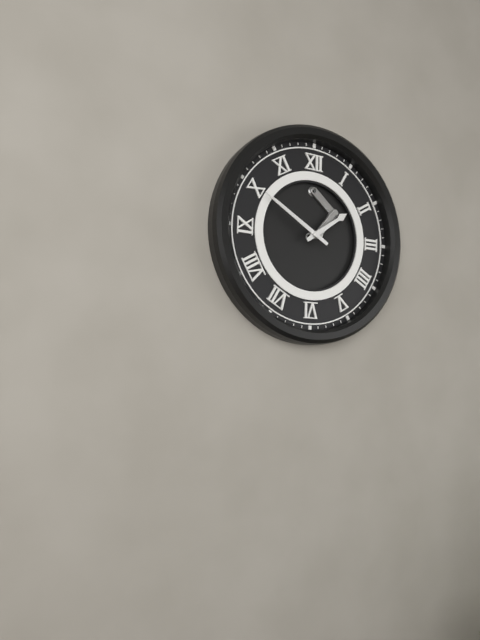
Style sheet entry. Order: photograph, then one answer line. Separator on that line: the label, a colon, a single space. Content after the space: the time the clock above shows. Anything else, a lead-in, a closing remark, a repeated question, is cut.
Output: 1:50
